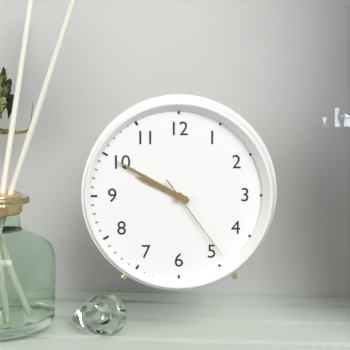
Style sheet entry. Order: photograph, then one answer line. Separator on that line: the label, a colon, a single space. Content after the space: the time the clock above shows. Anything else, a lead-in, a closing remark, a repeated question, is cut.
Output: 9:50:24
